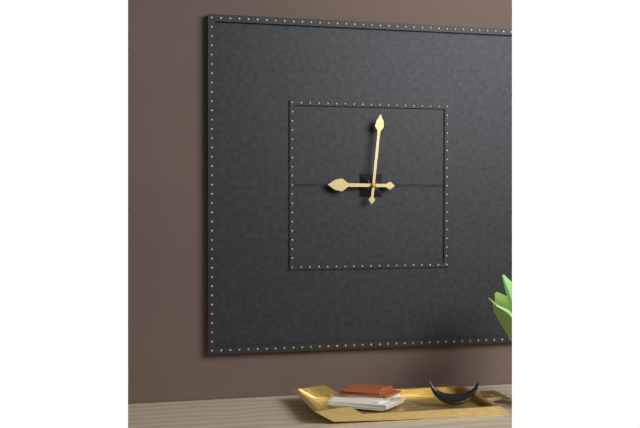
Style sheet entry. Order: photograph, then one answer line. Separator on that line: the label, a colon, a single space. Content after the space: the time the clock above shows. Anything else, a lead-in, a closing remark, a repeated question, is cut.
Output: 9:01
